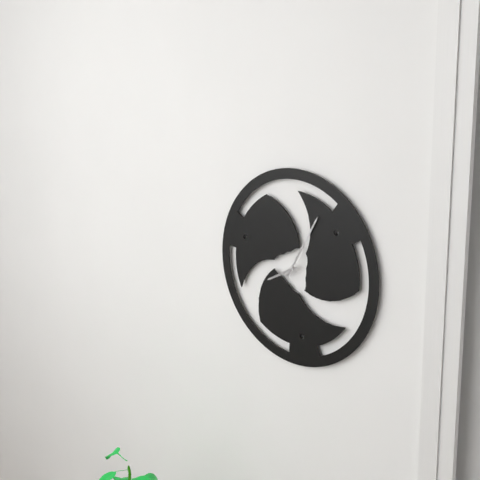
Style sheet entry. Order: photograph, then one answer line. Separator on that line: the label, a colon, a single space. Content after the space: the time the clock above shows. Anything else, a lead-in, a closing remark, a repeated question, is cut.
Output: 8:05
